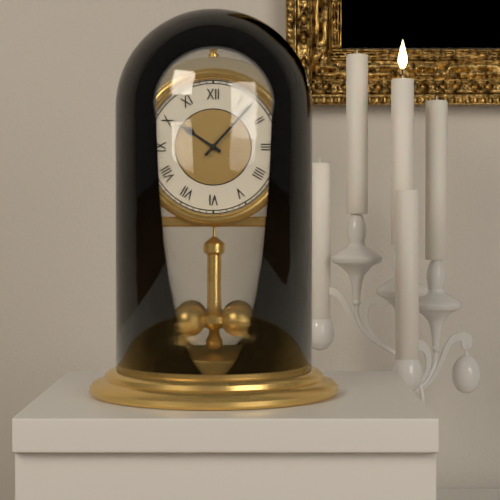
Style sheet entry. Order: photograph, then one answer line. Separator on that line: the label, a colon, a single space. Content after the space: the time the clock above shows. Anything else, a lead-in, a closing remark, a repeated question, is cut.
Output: 10:07
